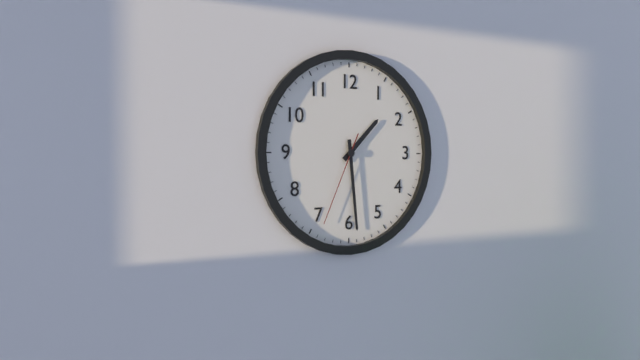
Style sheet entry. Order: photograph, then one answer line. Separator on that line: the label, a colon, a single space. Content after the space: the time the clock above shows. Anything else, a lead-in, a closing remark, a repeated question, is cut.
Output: 1:29:34
